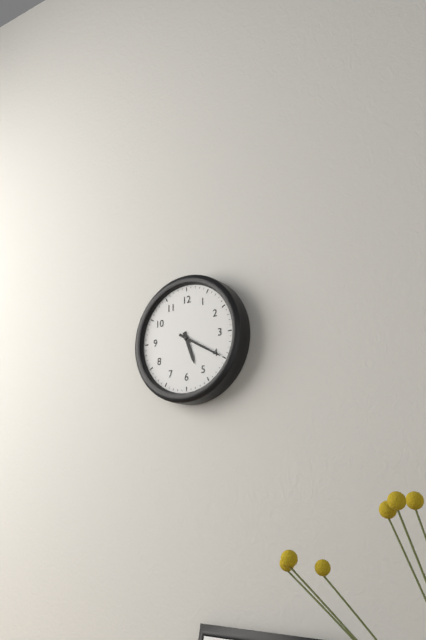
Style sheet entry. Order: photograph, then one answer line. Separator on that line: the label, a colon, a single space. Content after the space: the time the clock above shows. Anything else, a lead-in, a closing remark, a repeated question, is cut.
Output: 5:20
